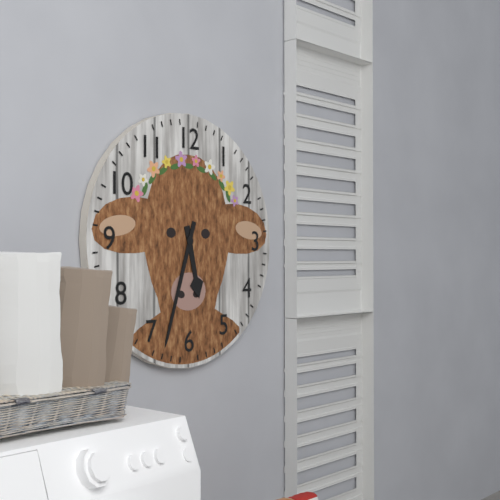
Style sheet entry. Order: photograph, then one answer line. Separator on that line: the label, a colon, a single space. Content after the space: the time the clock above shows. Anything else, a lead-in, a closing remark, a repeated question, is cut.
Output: 5:33
